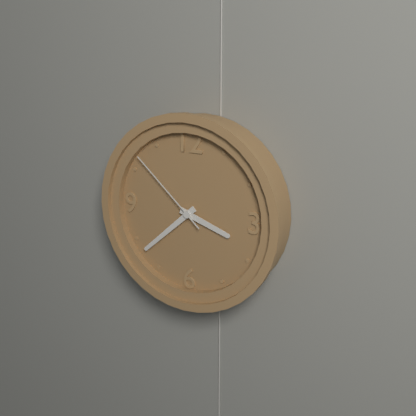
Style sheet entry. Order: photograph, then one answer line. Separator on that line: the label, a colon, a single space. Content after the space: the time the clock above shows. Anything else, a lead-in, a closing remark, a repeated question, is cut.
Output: 3:38:52
